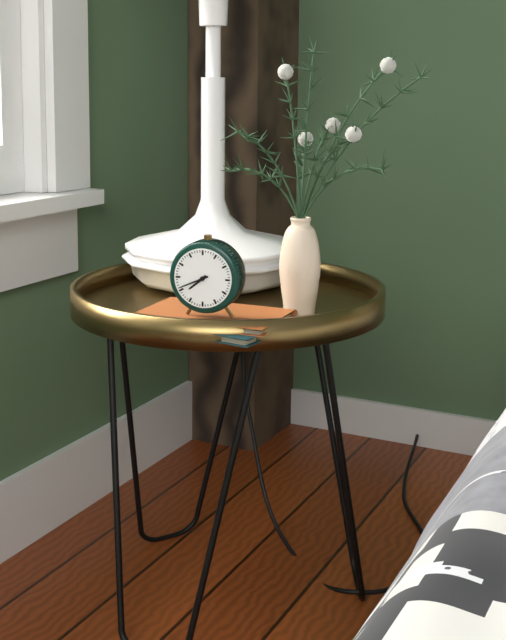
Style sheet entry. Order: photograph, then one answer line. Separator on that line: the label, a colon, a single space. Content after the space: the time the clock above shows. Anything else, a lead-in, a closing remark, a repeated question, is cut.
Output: 7:41
